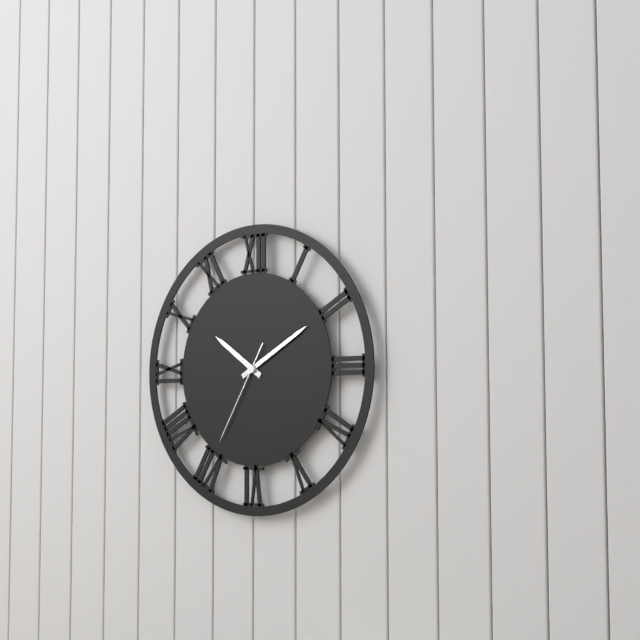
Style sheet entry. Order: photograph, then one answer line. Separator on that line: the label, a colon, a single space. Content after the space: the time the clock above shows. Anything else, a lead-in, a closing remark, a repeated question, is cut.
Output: 10:10:35
